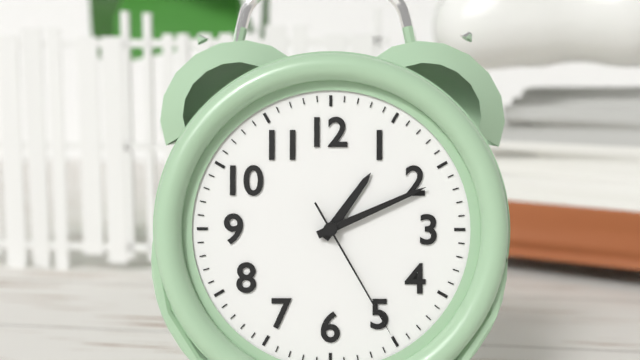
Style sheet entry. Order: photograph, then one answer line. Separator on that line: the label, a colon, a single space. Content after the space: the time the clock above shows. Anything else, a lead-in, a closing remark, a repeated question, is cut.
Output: 1:11:25
